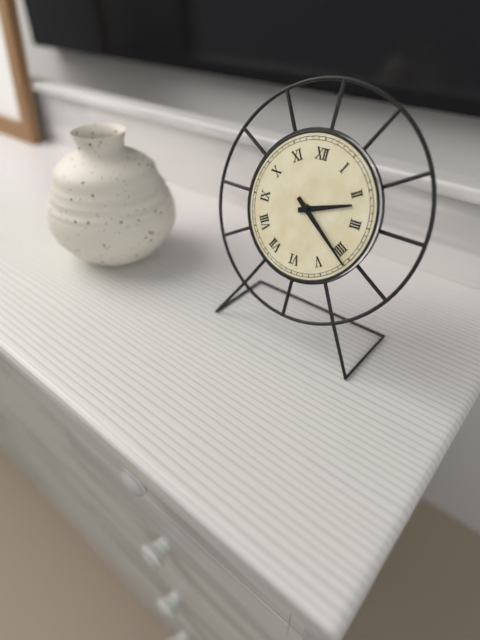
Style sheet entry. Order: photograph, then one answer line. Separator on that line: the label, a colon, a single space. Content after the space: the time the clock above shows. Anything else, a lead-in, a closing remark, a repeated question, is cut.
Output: 2:21
